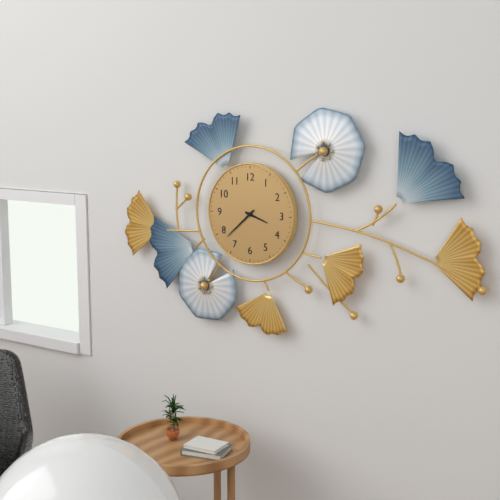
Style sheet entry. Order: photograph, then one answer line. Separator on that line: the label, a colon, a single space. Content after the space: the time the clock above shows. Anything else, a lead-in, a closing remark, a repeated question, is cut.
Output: 3:38
